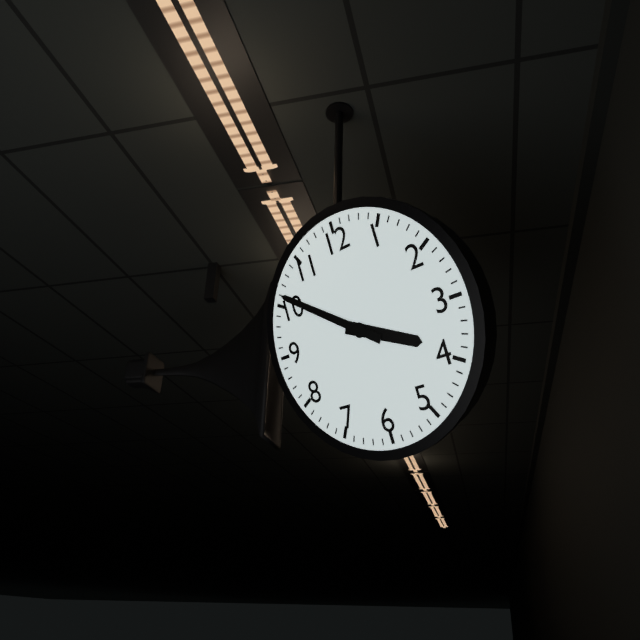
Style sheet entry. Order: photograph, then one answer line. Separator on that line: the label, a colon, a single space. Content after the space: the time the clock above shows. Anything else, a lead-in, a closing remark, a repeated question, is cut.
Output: 3:51
